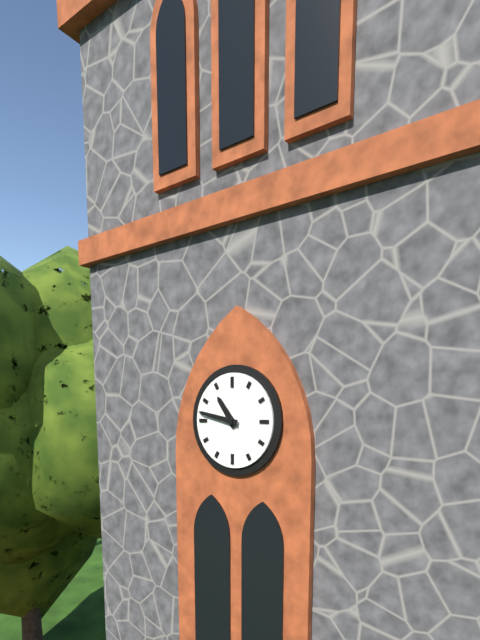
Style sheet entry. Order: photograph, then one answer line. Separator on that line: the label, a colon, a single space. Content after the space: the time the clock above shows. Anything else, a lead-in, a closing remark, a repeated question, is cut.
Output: 10:47
